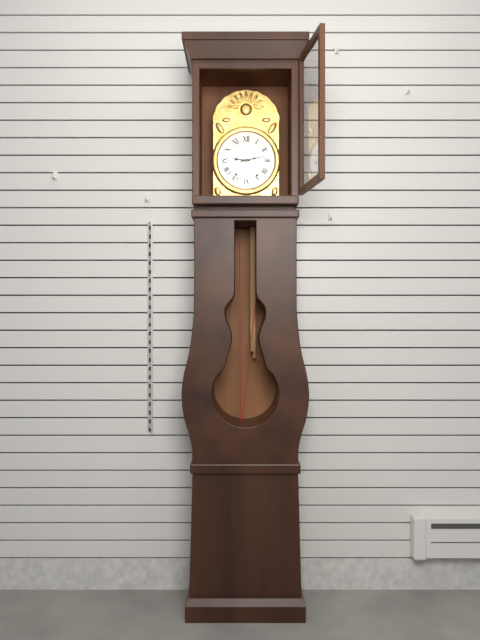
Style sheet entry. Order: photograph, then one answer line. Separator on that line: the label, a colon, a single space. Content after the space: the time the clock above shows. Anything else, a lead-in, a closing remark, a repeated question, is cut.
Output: 9:13
